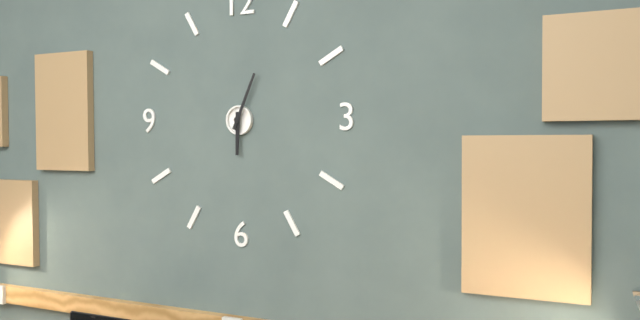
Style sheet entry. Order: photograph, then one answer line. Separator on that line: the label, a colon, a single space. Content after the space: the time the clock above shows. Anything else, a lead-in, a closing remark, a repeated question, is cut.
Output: 6:04
